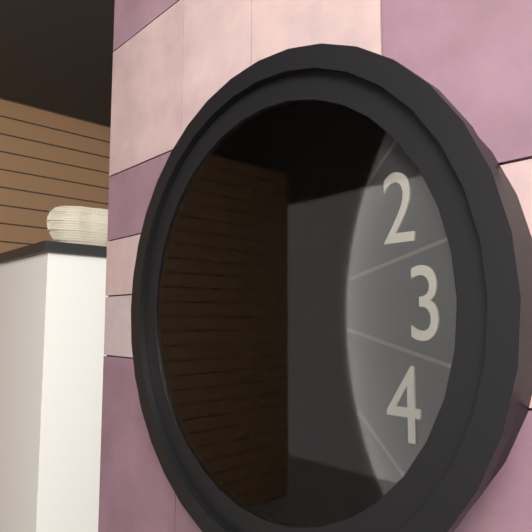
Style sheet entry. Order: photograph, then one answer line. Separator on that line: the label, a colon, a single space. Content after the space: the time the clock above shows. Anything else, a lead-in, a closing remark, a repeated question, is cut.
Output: 10:31
